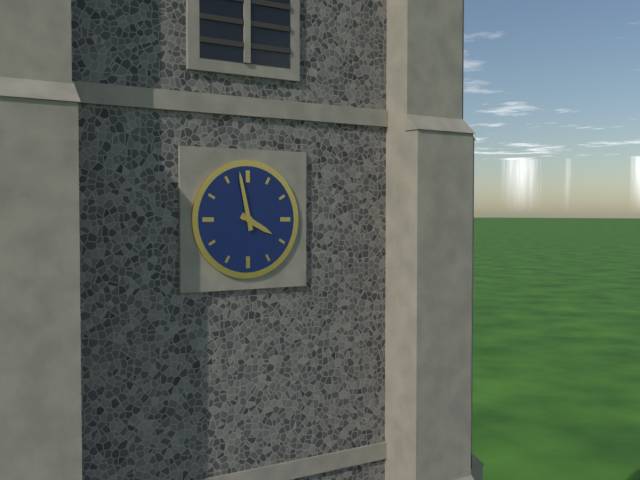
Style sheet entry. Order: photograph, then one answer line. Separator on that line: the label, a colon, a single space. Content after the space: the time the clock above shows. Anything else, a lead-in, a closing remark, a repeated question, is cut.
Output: 3:58
